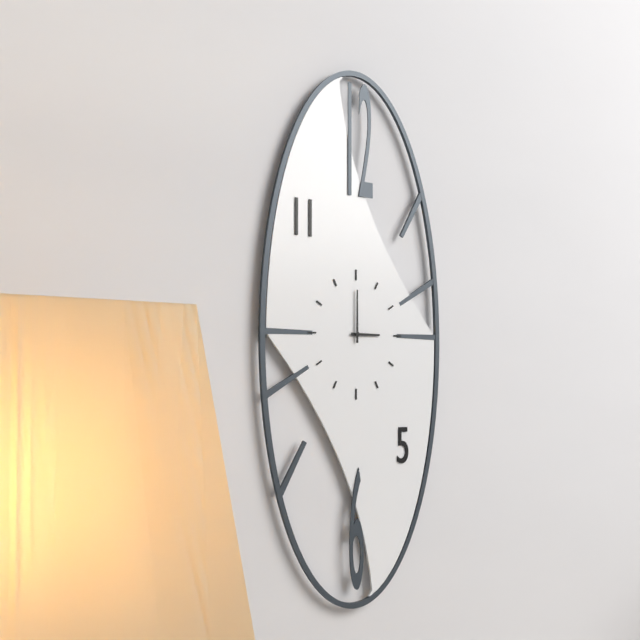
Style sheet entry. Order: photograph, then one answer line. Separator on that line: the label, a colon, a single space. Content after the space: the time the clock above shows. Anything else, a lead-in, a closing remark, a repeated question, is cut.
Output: 3:00
